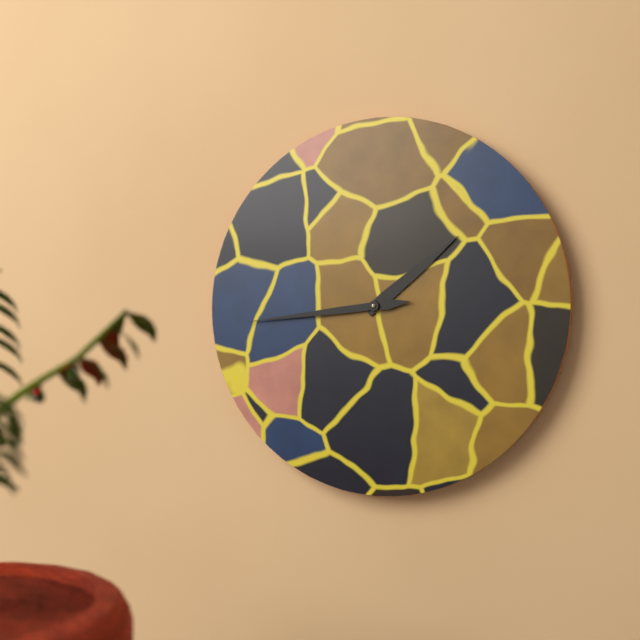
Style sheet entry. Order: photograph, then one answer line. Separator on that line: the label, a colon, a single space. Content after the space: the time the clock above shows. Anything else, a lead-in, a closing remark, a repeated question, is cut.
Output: 1:44
